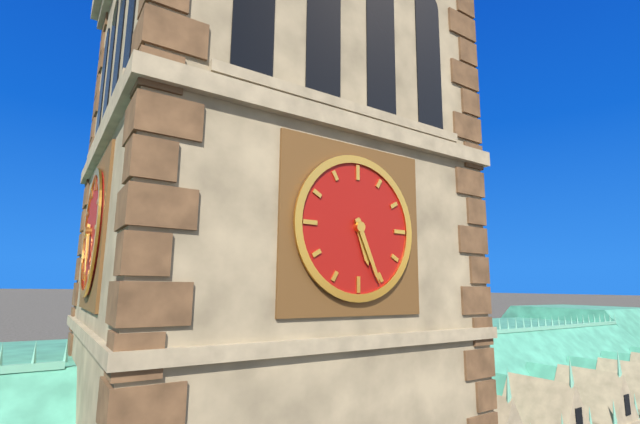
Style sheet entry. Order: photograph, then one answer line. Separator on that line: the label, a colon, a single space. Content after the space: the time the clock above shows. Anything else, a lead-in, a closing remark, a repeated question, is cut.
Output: 5:26
